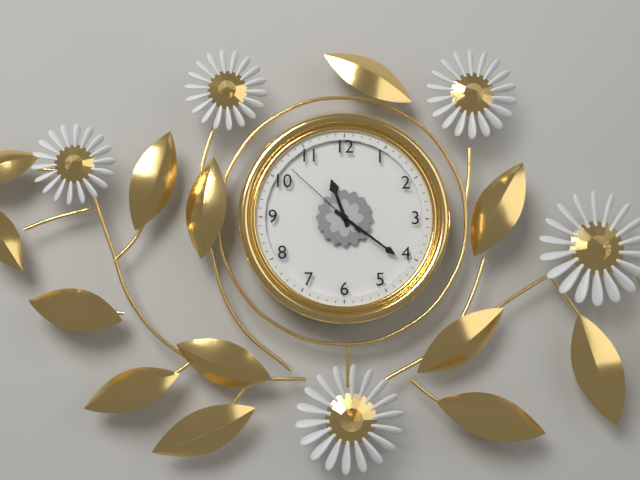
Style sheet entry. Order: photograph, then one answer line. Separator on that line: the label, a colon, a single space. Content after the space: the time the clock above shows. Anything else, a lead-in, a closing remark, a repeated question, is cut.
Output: 11:21:52
